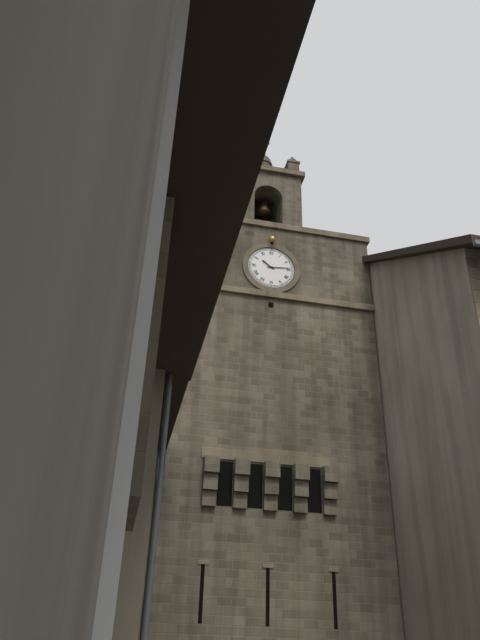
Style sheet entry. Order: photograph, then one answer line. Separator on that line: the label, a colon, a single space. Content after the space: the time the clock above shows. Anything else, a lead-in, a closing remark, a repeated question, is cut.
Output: 10:14
